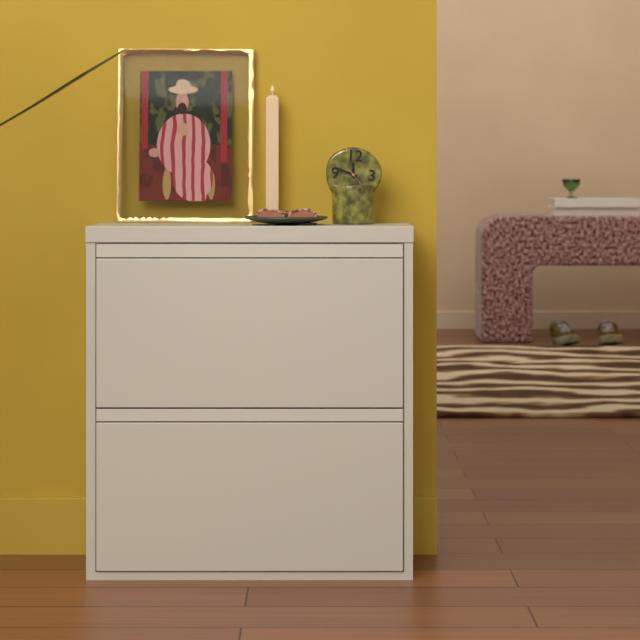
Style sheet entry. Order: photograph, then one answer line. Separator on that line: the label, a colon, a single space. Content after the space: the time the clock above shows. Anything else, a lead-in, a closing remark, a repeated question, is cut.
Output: 11:48
